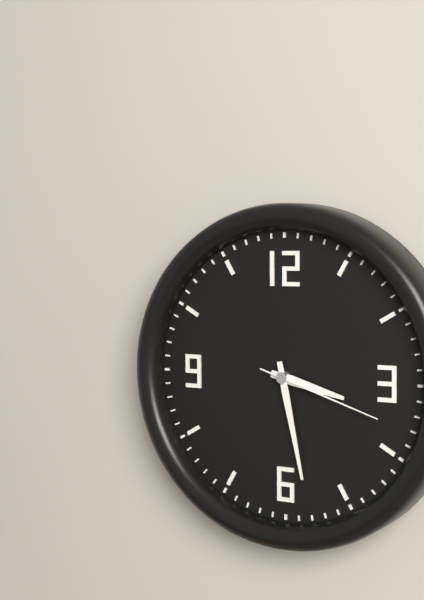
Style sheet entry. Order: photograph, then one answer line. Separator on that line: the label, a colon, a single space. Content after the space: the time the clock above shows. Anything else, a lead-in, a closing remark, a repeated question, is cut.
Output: 3:28:18
